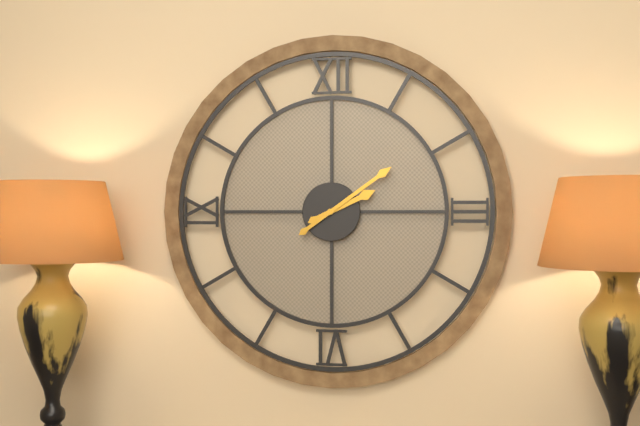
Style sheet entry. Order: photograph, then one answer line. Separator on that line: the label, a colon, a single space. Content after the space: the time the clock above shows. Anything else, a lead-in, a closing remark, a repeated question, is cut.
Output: 2:09
